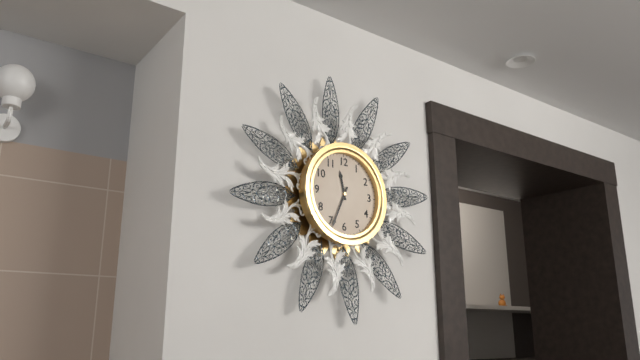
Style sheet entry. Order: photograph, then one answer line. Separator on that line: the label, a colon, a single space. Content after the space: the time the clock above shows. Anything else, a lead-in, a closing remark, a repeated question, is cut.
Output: 11:34
